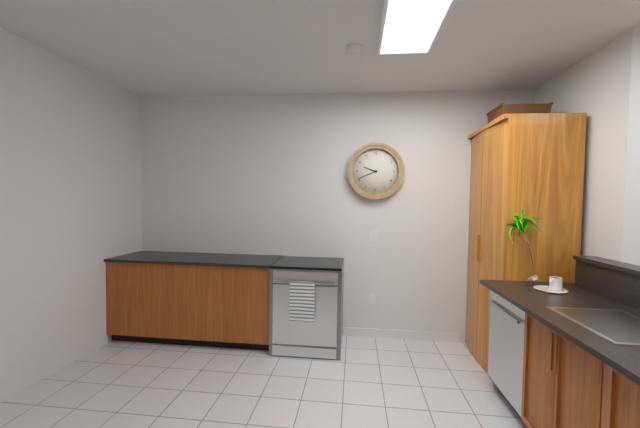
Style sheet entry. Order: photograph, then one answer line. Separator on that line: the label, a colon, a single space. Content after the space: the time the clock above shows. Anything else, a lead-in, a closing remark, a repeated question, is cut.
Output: 9:41
